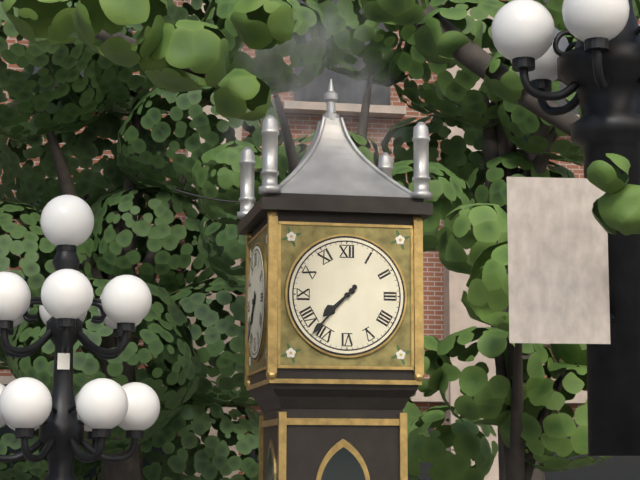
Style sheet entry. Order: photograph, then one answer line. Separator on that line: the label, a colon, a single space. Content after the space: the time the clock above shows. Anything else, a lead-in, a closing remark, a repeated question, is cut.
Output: 7:37
